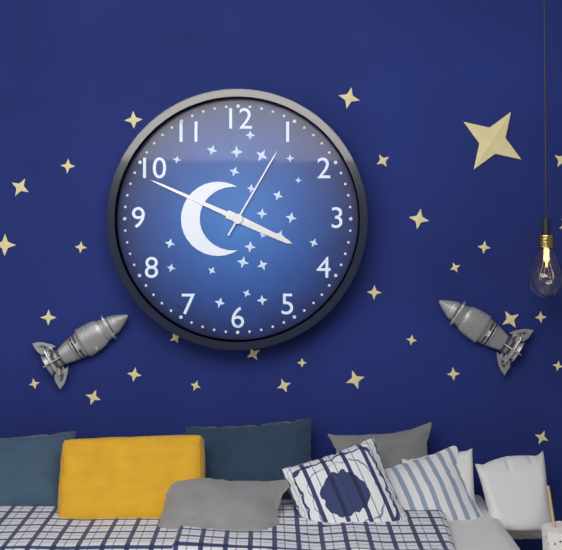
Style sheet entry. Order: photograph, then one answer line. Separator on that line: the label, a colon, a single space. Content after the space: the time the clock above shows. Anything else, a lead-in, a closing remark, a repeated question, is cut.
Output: 3:49:05
